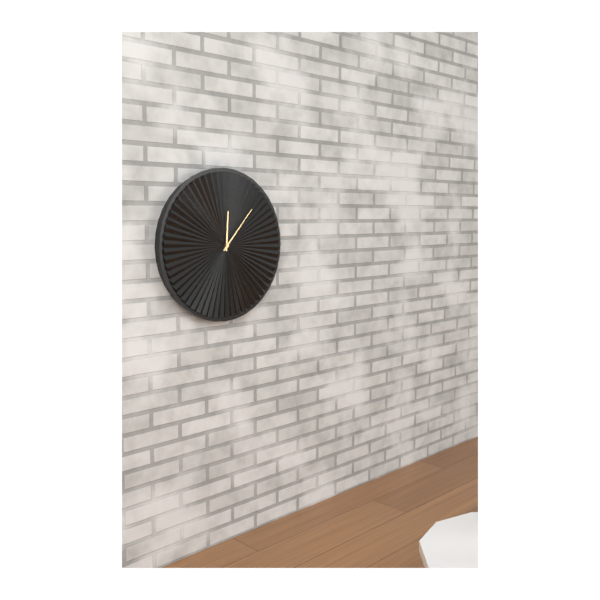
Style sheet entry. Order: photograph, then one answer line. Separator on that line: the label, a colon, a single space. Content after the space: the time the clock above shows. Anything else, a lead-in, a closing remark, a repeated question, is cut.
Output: 12:07
